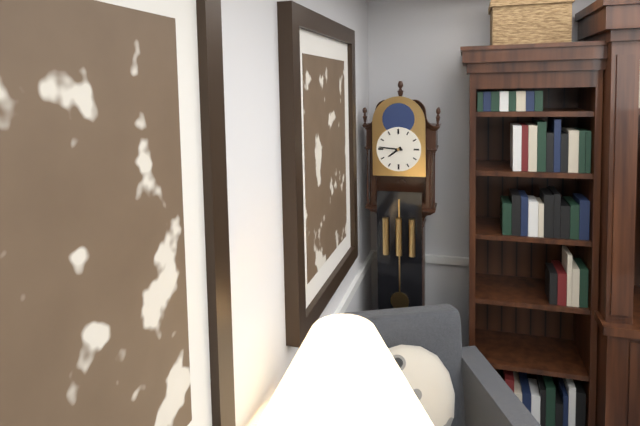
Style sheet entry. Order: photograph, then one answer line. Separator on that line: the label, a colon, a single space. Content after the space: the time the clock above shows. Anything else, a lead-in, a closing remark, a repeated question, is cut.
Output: 7:46
